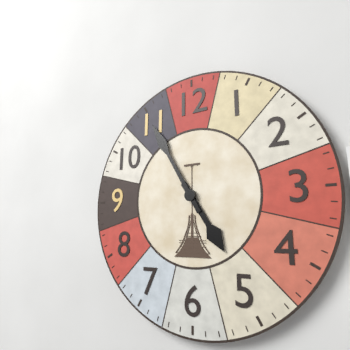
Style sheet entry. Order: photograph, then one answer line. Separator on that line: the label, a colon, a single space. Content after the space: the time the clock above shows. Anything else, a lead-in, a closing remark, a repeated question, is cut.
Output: 4:55
